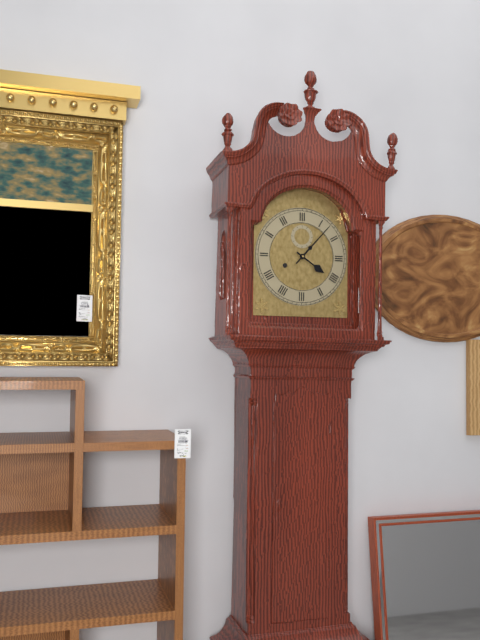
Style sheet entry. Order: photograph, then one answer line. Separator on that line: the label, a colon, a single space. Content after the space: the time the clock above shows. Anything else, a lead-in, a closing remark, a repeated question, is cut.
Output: 4:07
